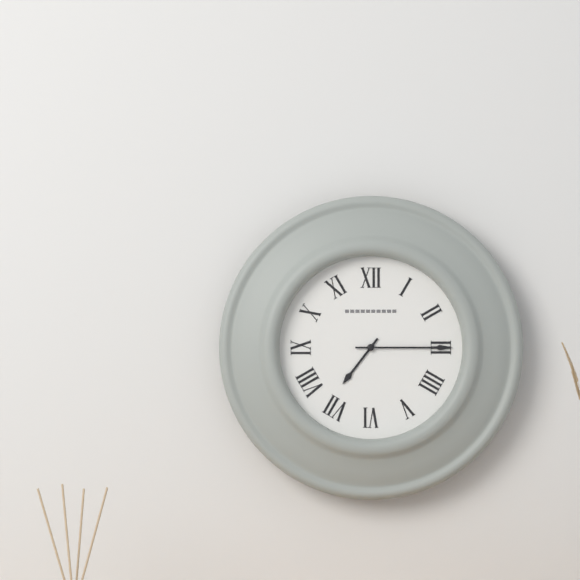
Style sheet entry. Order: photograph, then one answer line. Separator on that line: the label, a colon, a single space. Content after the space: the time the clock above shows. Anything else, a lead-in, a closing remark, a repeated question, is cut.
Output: 7:15
